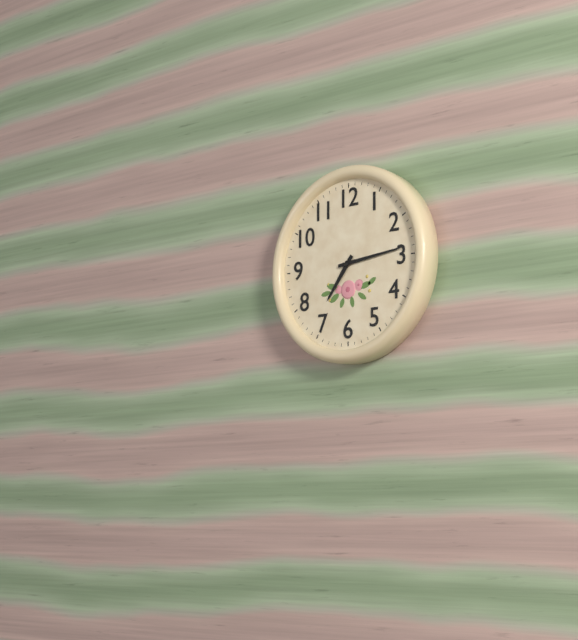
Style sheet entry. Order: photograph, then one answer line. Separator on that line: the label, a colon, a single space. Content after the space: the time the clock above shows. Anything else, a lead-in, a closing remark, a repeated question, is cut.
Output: 7:14
